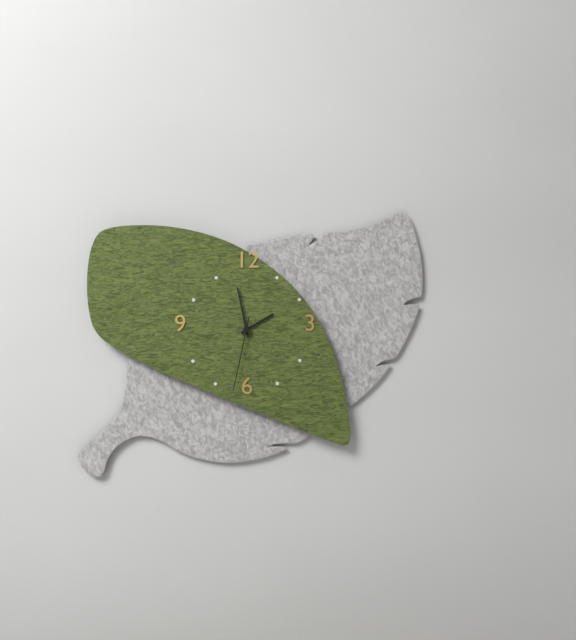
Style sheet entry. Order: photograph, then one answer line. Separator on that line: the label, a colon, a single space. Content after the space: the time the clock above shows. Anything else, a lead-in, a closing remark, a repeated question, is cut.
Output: 1:58:32
